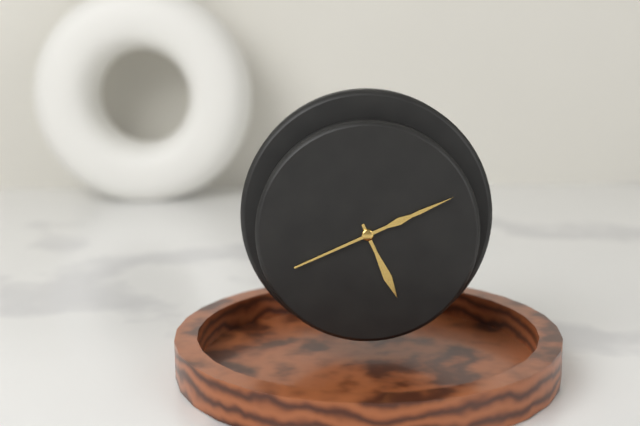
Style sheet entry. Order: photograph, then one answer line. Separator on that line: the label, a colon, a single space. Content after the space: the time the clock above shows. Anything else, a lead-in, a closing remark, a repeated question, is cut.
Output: 5:11
